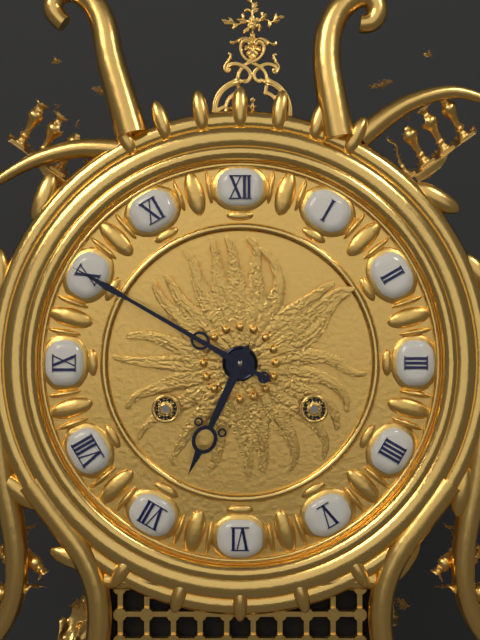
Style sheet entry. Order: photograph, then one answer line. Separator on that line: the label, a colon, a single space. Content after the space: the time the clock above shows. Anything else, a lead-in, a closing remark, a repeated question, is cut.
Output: 6:50
